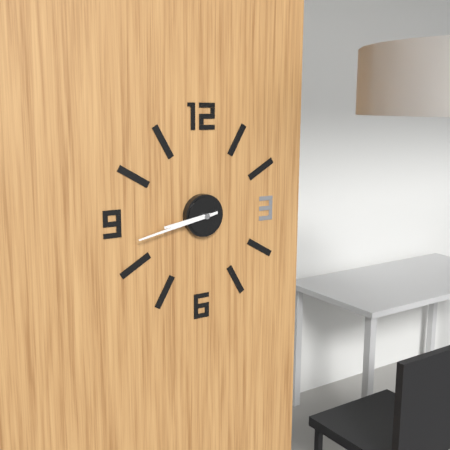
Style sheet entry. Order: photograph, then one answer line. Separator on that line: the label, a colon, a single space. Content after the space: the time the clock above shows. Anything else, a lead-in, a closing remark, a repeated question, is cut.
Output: 8:43
